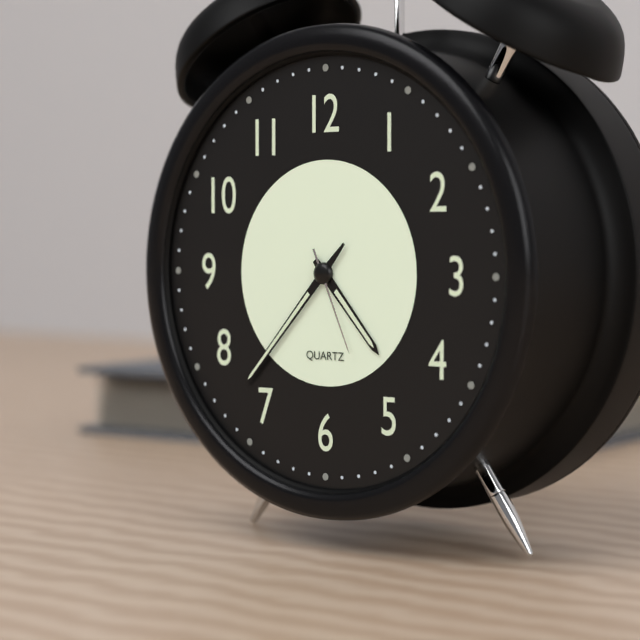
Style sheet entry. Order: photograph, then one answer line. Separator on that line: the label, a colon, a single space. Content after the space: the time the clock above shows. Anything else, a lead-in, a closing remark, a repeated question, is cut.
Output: 4:37:26
